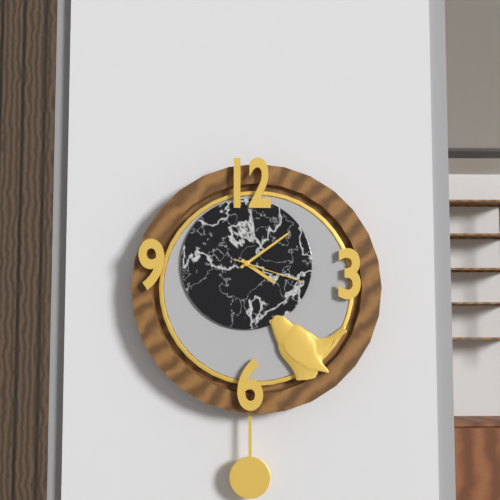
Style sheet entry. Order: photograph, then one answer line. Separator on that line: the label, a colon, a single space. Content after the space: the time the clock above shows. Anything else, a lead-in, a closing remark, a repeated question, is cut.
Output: 4:09:18
